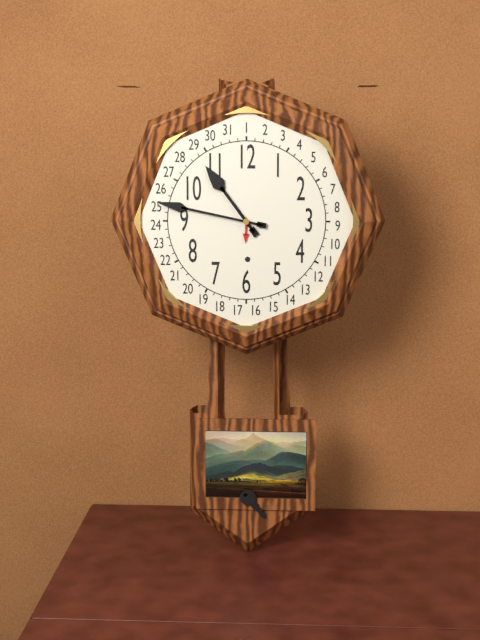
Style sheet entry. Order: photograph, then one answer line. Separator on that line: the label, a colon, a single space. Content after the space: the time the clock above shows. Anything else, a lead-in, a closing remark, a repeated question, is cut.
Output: 10:47
